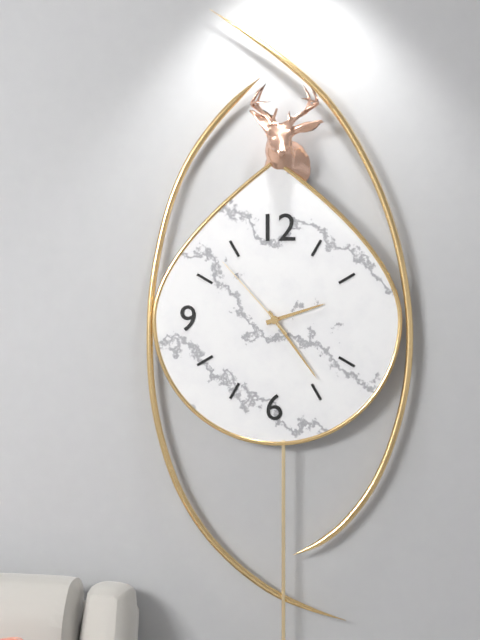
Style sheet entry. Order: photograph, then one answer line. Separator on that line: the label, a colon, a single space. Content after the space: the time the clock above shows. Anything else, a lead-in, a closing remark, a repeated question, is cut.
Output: 2:24:53
